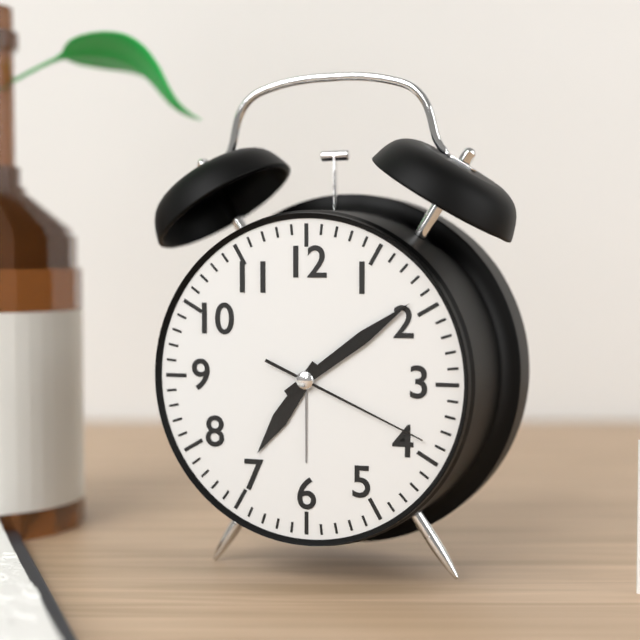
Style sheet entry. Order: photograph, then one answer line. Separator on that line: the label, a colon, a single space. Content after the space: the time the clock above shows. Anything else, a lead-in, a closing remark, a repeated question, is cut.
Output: 7:09:19
